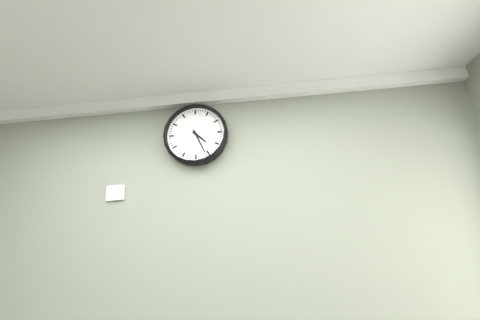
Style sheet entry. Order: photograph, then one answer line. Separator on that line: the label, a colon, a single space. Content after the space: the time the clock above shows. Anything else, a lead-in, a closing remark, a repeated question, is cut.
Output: 4:26
